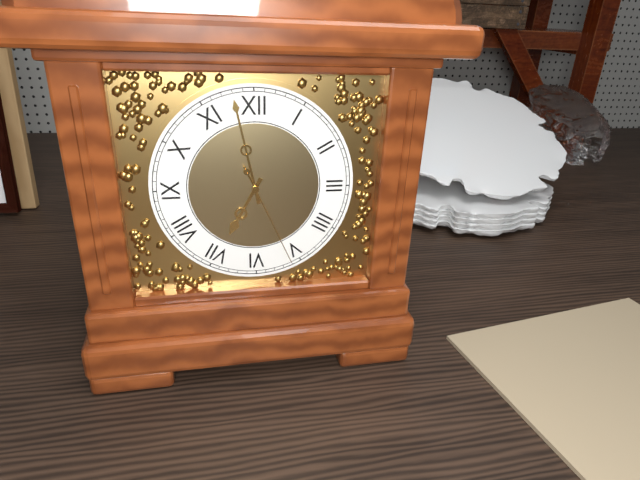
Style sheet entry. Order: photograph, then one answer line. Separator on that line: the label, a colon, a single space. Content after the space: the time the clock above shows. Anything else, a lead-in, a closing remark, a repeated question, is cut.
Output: 6:58:26
